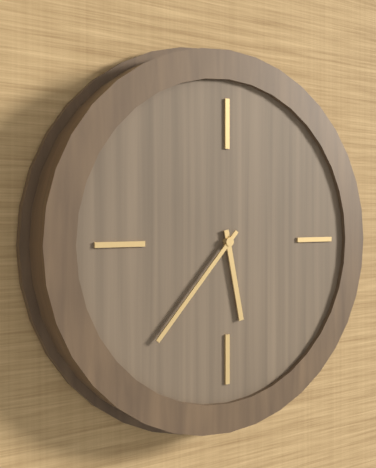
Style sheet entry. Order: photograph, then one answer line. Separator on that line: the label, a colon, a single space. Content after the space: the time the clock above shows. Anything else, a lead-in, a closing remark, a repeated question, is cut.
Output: 5:37
